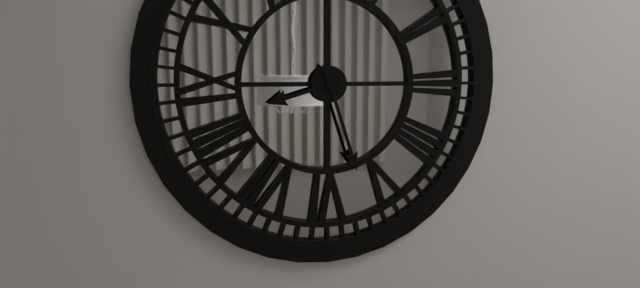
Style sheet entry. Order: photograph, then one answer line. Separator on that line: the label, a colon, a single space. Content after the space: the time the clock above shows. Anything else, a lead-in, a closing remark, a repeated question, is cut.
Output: 8:27
